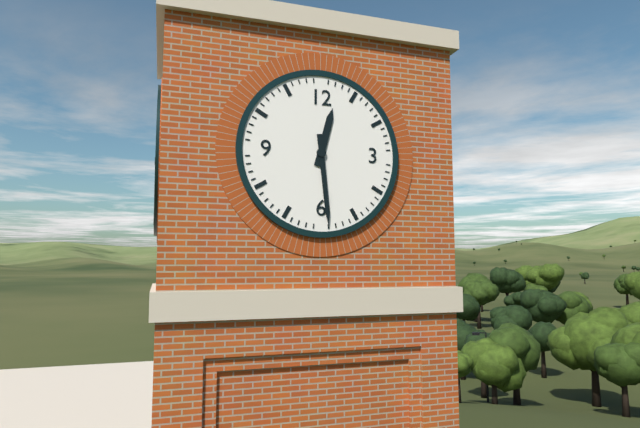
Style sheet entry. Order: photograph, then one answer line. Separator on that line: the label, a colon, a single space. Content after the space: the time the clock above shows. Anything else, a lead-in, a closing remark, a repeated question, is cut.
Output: 12:29
